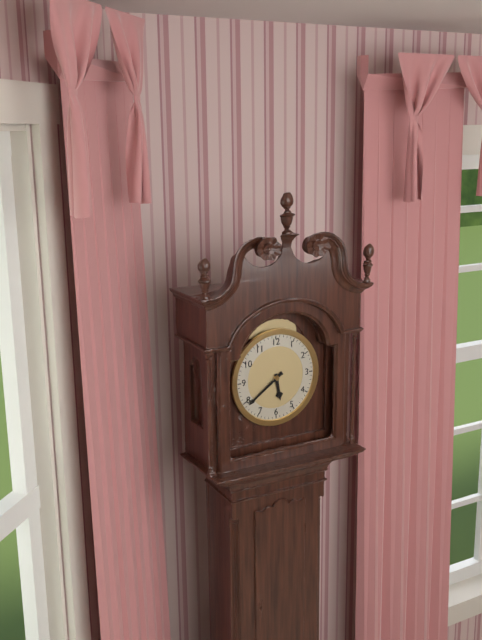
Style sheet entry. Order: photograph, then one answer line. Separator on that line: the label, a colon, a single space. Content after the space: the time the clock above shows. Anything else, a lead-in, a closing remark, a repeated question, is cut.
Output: 5:39
